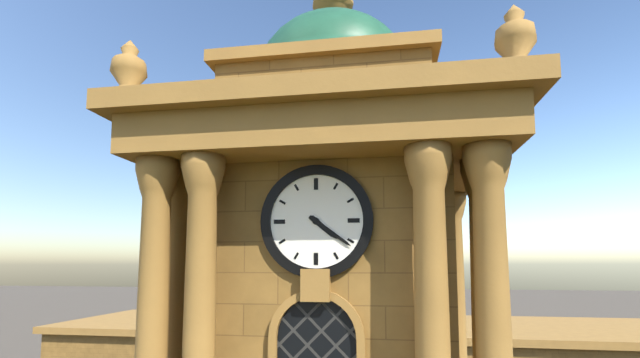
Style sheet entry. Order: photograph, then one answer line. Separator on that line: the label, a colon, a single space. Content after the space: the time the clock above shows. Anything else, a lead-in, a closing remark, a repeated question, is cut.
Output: 4:21
